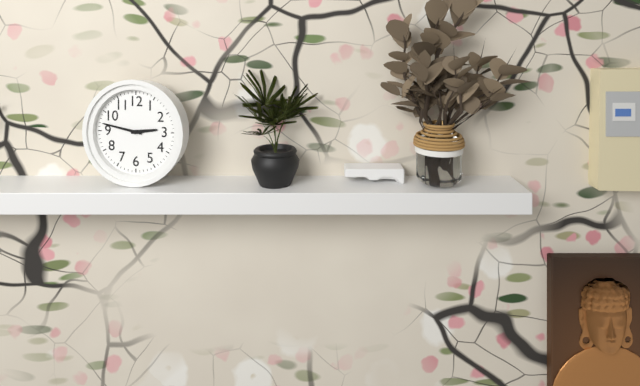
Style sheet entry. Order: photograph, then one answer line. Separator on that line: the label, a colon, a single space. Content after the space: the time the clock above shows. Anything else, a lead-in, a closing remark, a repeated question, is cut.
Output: 2:47
